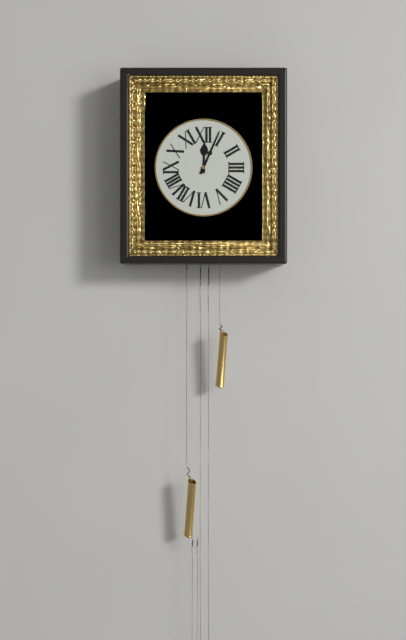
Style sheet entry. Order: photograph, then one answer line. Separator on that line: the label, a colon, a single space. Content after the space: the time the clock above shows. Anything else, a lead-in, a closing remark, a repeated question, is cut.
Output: 12:04
